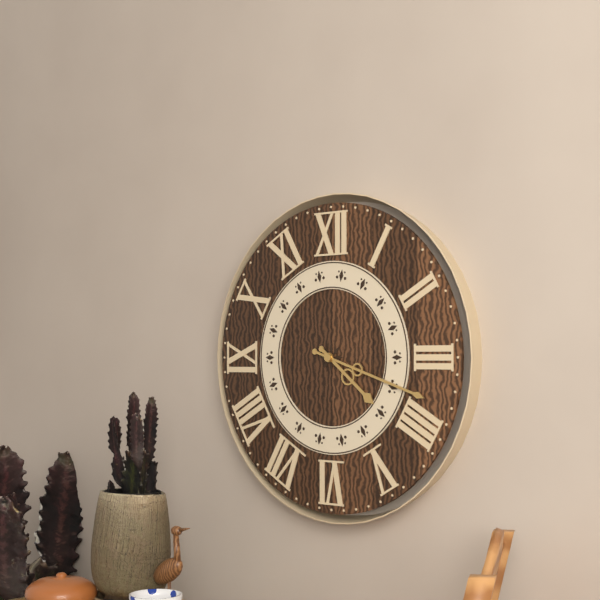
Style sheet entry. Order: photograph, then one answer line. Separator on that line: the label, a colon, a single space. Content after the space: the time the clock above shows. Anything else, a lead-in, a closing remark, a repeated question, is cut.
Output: 4:18
